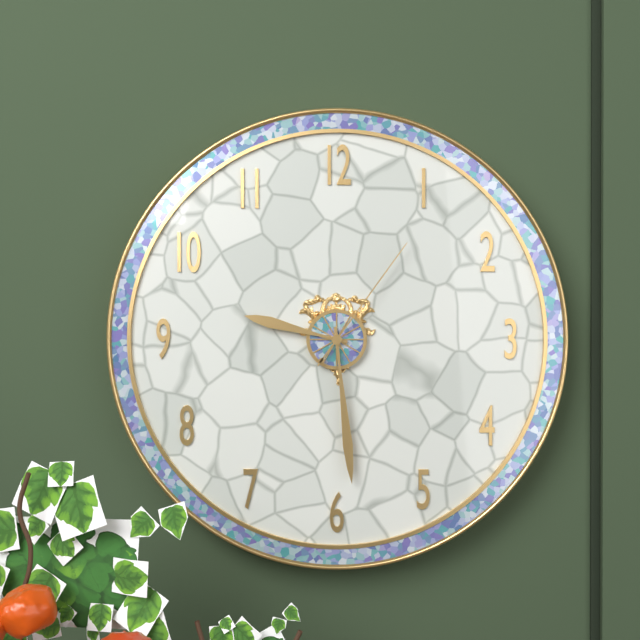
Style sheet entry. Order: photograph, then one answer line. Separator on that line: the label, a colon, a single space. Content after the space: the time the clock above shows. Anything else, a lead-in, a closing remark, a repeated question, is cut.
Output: 9:29:06
